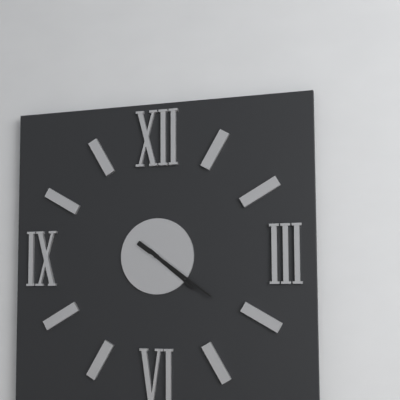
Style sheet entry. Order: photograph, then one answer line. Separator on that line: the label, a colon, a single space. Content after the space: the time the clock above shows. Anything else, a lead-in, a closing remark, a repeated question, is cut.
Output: 4:21
